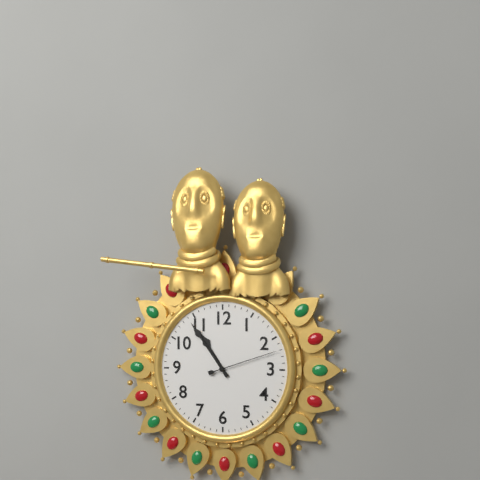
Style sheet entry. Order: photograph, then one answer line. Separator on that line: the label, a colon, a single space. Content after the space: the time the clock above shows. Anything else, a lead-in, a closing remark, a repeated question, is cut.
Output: 10:54:12
